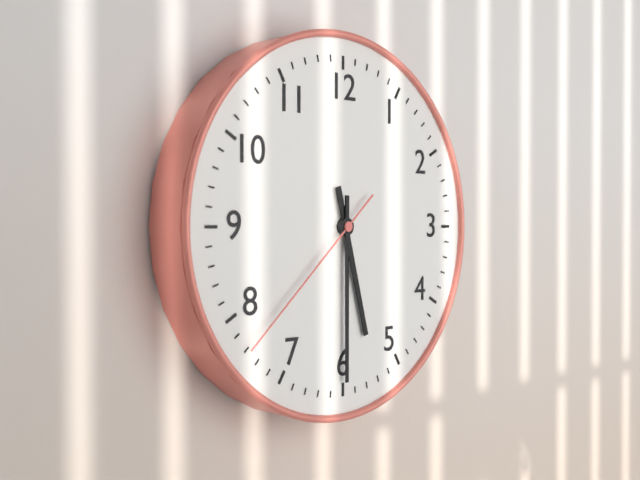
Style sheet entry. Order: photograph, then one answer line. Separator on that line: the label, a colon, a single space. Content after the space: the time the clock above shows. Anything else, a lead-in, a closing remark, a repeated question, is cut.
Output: 5:30:38
